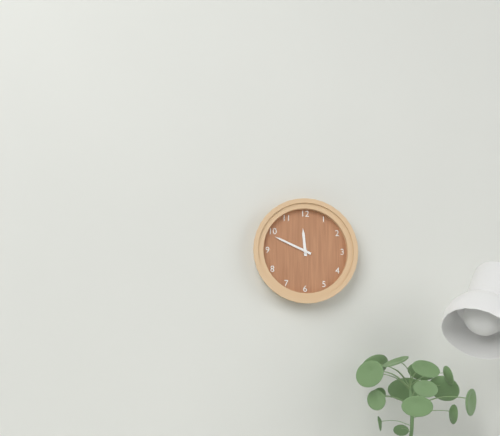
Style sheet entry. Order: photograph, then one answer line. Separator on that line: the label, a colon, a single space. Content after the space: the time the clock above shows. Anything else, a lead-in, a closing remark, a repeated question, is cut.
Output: 11:49
